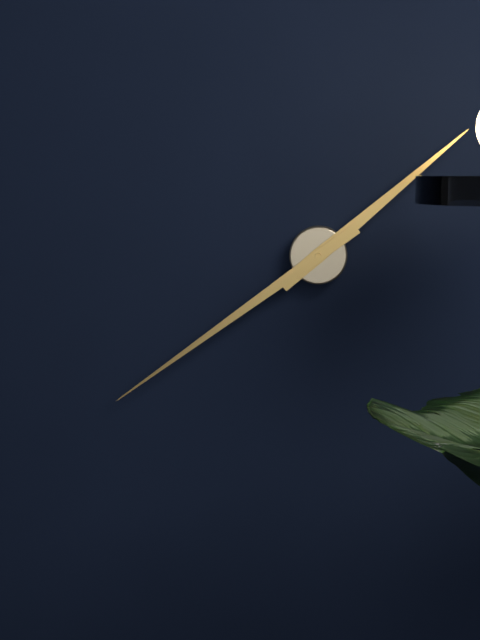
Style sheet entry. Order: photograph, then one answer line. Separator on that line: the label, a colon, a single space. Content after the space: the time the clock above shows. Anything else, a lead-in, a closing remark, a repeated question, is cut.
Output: 1:39
